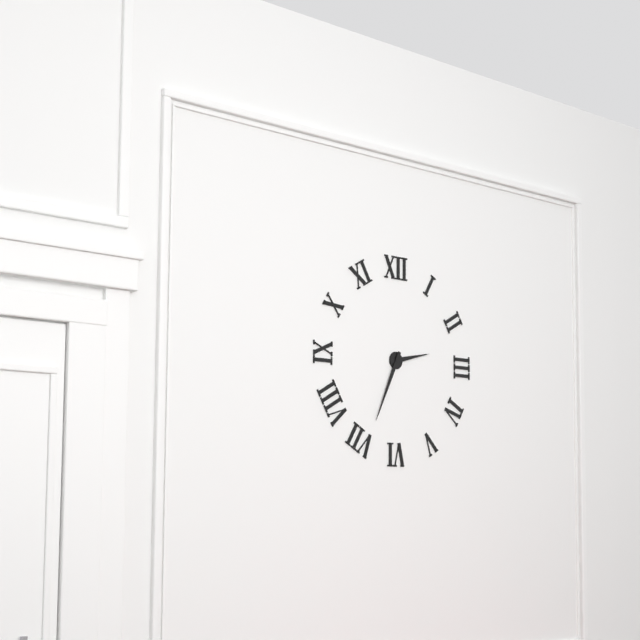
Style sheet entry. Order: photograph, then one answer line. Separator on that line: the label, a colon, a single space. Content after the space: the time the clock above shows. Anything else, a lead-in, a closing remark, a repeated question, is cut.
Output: 2:34
